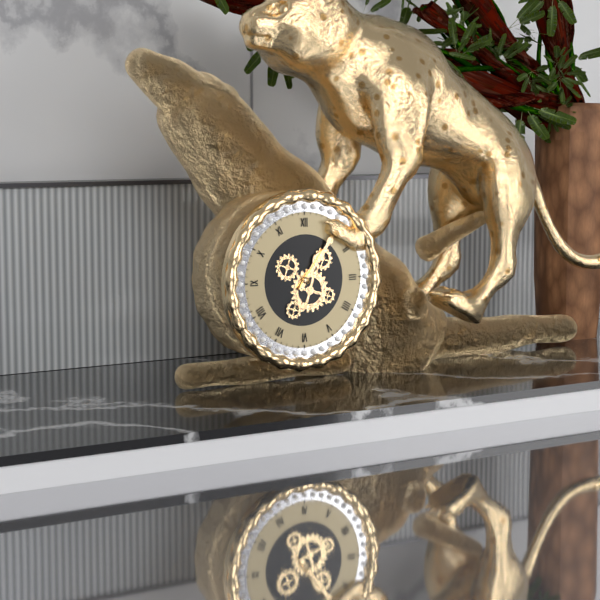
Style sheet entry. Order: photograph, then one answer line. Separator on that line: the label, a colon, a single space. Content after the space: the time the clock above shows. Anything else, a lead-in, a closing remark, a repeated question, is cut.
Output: 1:06
